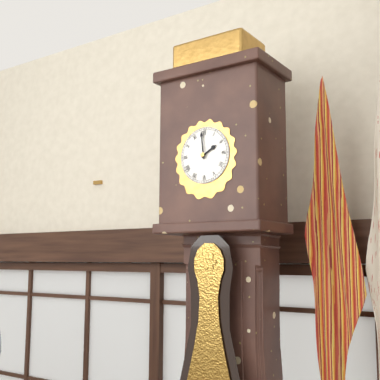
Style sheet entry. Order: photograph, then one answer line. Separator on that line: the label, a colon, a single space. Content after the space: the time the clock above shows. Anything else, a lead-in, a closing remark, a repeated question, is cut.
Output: 1:59
